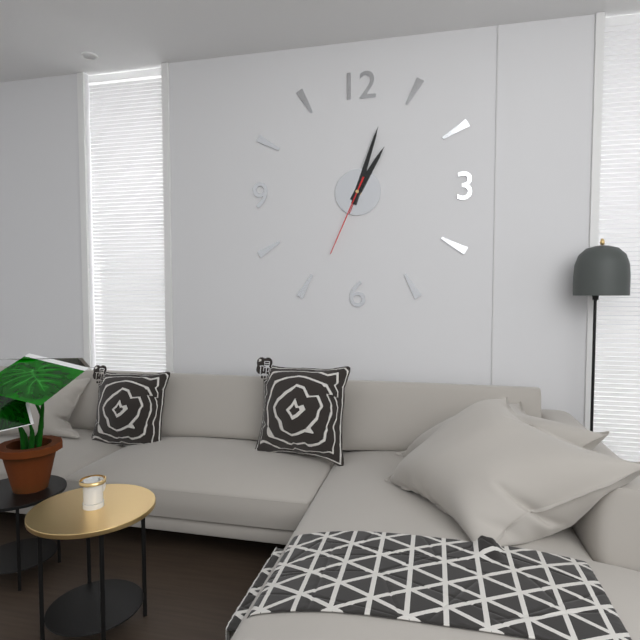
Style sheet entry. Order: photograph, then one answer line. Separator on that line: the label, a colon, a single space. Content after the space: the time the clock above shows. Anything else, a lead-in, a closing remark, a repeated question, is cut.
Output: 1:03:34
